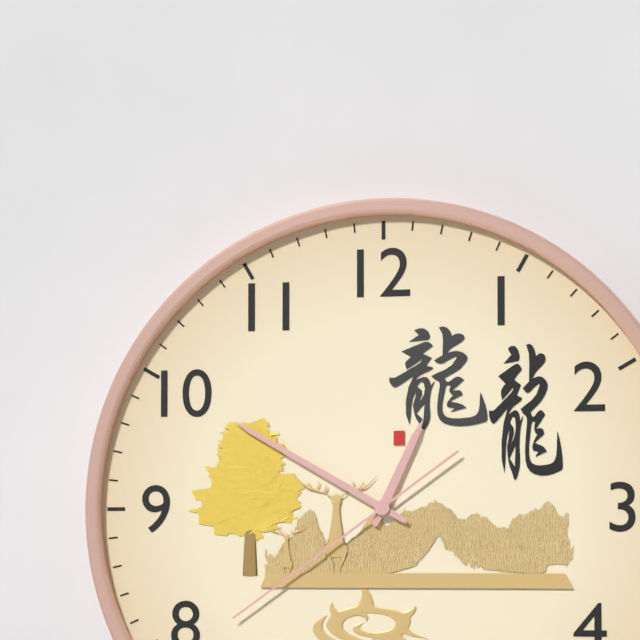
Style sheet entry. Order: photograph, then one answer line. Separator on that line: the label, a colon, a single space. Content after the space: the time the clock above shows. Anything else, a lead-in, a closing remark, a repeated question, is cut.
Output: 12:50:39
